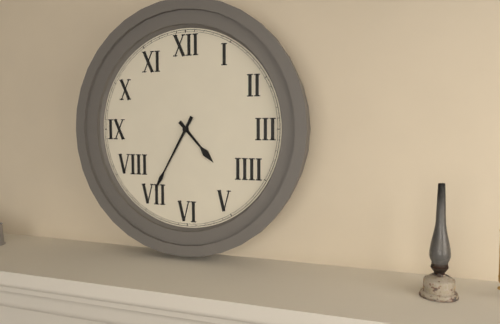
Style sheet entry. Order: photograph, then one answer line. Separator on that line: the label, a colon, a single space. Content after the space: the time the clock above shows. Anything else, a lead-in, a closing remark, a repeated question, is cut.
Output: 4:35
